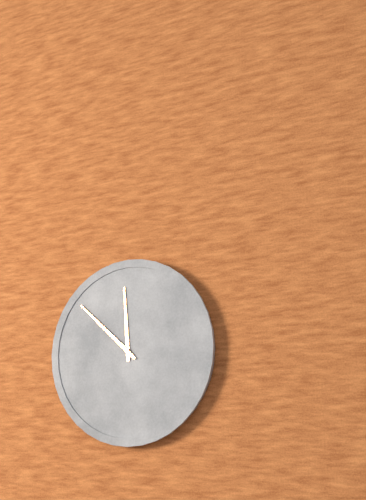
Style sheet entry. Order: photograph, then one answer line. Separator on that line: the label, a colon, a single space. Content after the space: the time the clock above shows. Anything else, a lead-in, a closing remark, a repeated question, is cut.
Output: 11:52
